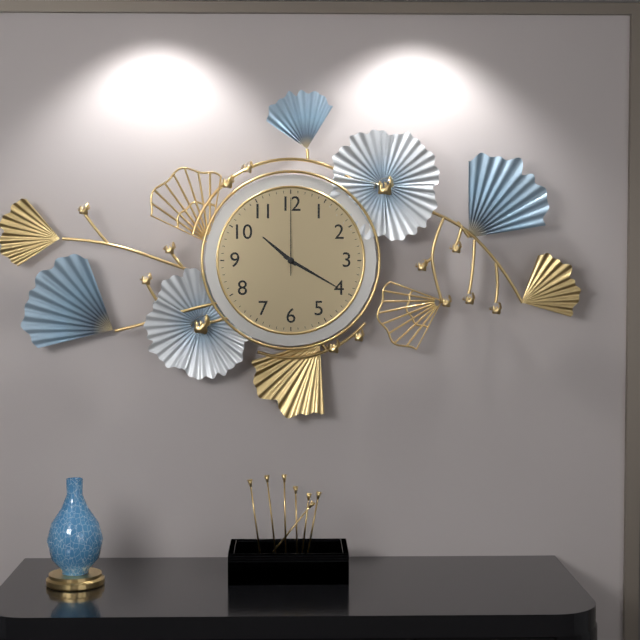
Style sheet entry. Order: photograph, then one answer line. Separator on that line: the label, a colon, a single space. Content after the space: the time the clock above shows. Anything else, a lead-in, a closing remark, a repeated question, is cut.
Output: 10:20:00
